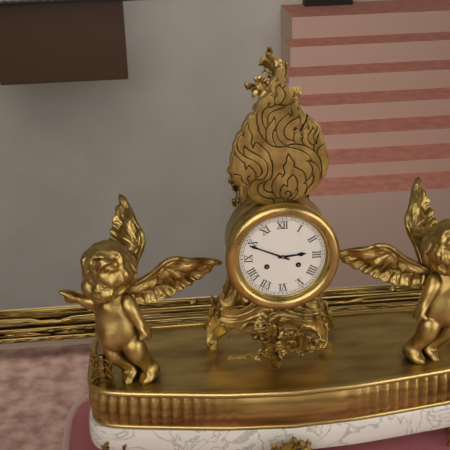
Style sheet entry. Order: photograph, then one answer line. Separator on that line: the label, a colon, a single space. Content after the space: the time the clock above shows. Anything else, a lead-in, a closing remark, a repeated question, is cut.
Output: 2:49
